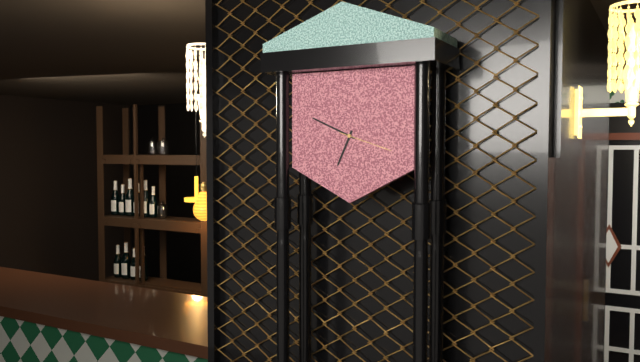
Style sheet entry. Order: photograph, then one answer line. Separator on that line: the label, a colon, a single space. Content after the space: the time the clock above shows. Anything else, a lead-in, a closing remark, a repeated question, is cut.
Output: 6:49:18
